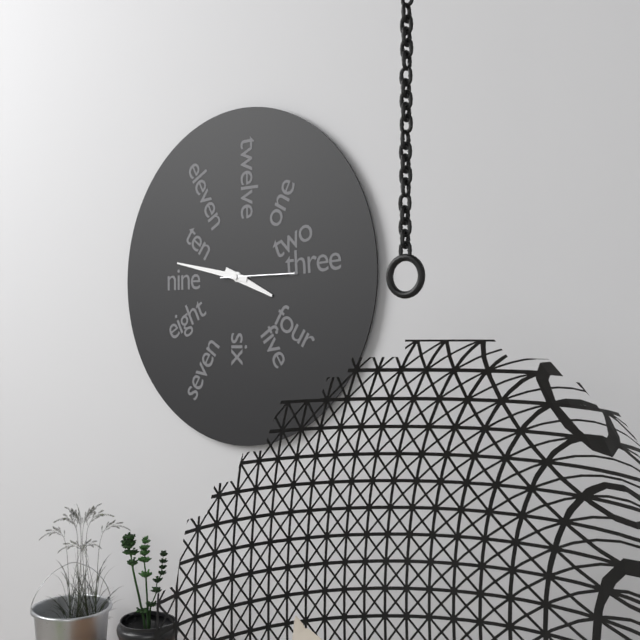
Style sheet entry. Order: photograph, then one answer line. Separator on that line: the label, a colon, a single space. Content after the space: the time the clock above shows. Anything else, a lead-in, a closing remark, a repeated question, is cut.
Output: 3:47:15
